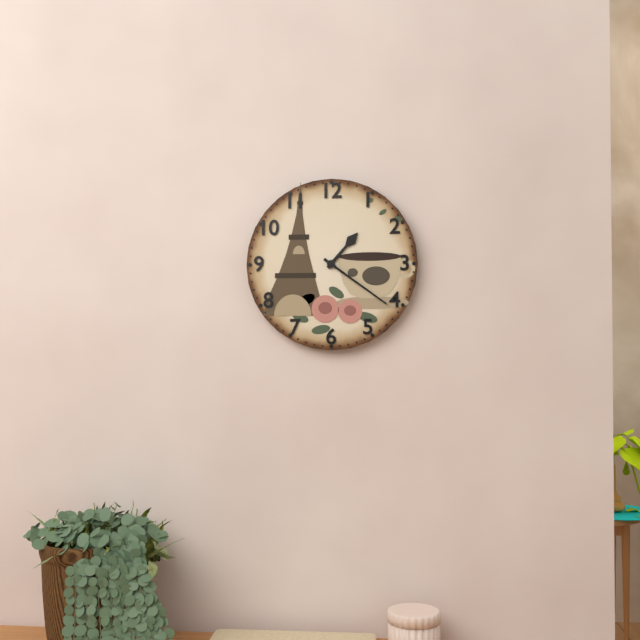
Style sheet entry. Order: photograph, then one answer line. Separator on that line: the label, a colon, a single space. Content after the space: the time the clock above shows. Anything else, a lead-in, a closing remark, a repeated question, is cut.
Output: 1:21
